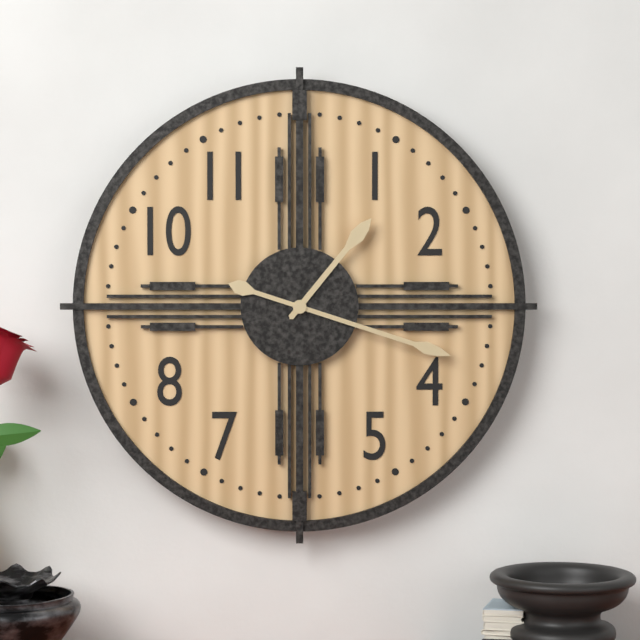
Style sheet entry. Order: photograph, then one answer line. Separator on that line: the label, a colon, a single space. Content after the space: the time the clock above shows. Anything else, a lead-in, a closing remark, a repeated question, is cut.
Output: 1:18
